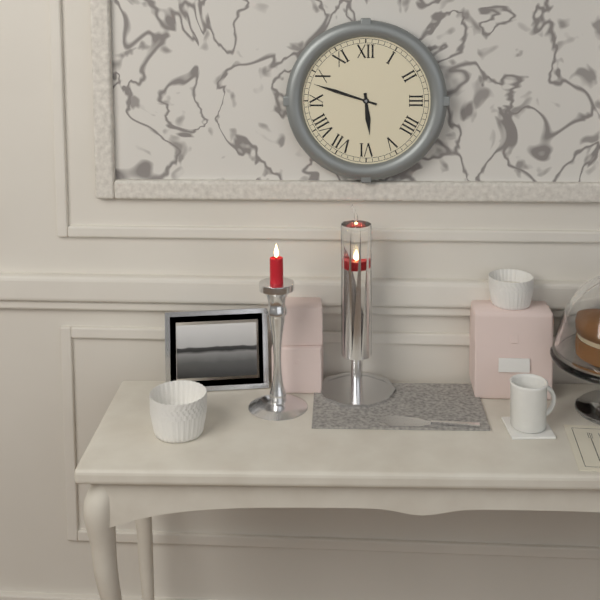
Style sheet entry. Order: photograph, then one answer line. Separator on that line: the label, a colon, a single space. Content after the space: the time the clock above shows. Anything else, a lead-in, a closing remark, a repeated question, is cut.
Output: 5:48
